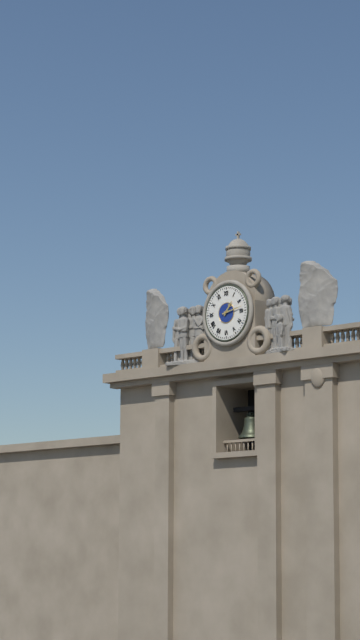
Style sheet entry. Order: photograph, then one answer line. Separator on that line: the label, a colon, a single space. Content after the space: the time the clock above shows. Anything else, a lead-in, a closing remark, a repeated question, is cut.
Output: 1:13
